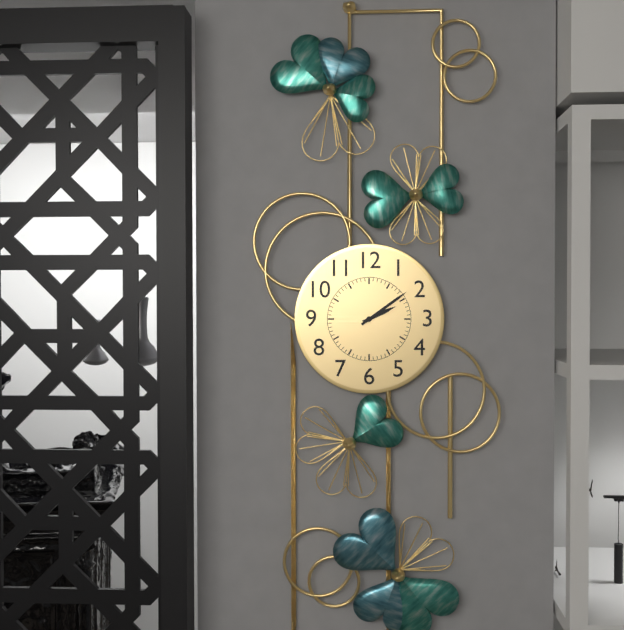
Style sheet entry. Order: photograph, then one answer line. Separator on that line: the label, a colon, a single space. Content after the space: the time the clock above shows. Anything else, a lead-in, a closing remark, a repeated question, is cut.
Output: 2:09
